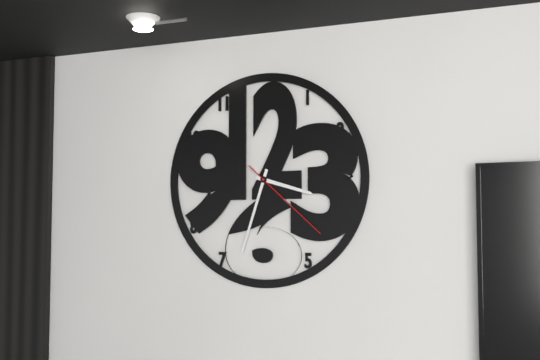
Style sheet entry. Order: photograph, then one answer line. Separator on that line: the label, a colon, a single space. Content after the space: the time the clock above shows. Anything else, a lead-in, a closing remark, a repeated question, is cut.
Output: 3:33:22
